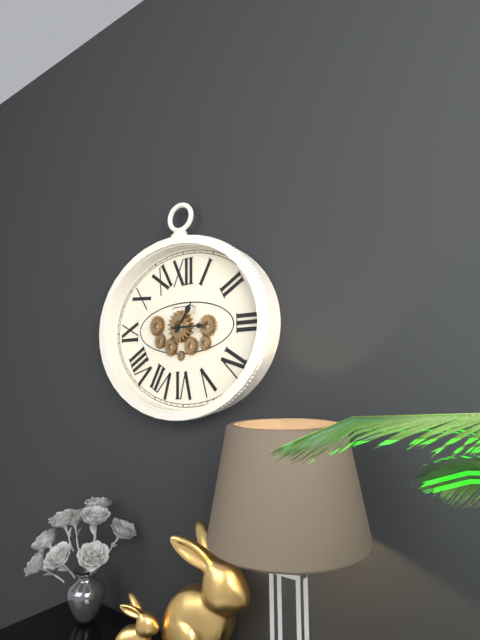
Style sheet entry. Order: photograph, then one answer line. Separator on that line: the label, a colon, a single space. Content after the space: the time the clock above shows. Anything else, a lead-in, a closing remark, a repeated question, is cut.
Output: 1:15
